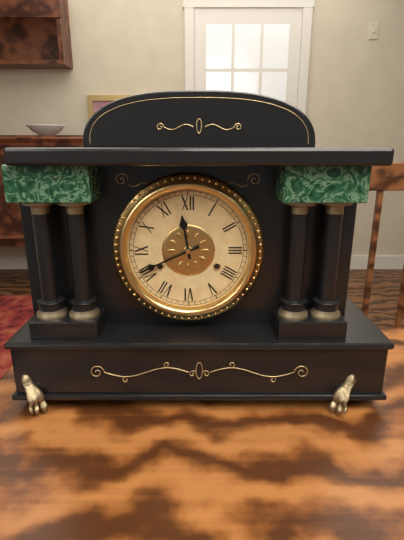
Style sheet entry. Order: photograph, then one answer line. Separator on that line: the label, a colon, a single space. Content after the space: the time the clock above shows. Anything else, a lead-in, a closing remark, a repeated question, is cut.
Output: 11:41
